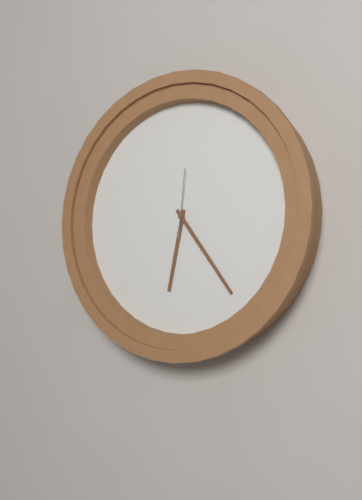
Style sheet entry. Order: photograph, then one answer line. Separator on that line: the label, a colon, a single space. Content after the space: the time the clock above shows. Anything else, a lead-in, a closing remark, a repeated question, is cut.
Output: 6:24:01
